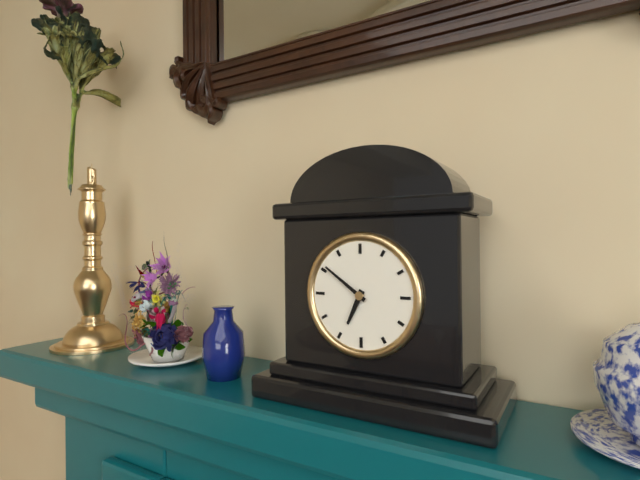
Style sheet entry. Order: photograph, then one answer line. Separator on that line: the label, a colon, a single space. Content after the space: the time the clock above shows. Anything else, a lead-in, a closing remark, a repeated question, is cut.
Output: 6:51
